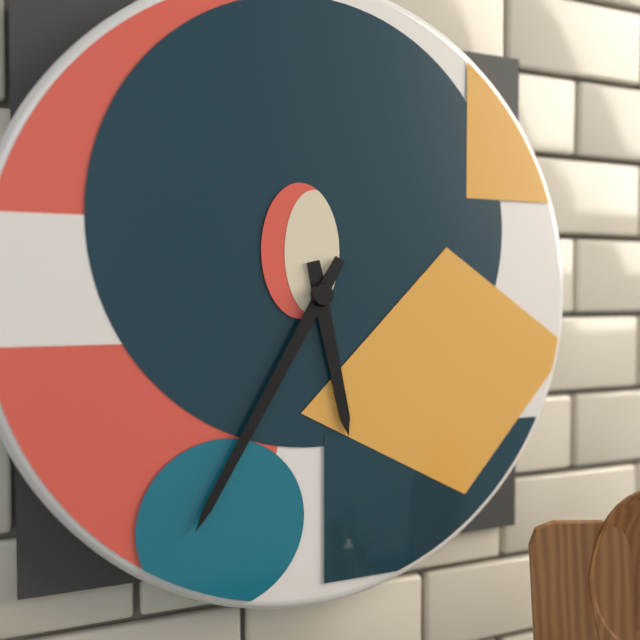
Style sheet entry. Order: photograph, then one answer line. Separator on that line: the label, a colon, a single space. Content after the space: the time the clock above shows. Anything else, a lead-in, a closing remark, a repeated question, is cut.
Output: 5:35
